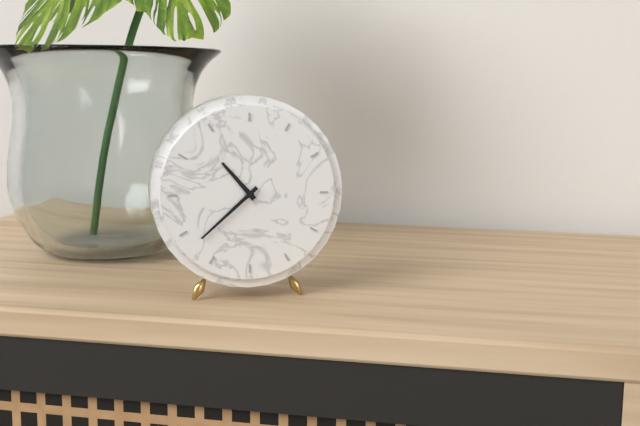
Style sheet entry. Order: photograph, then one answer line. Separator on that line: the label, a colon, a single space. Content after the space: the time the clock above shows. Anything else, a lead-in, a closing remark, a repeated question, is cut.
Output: 10:38
